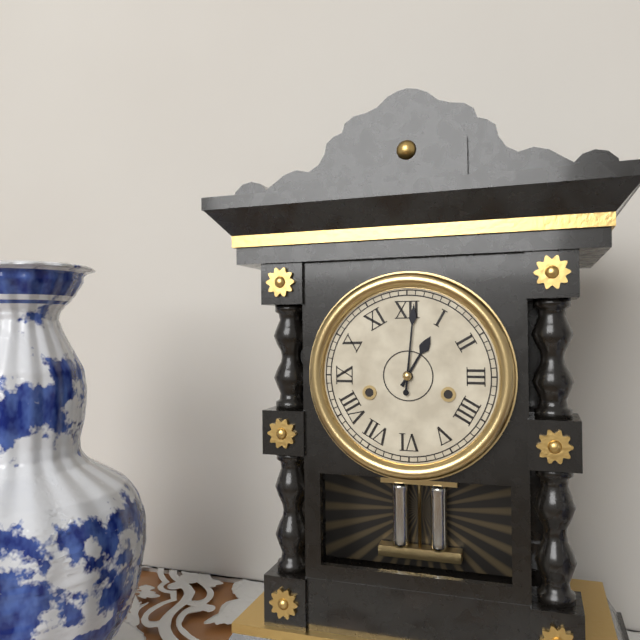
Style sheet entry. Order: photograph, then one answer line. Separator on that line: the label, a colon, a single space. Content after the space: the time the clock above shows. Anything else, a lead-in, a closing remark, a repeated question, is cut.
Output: 1:01
